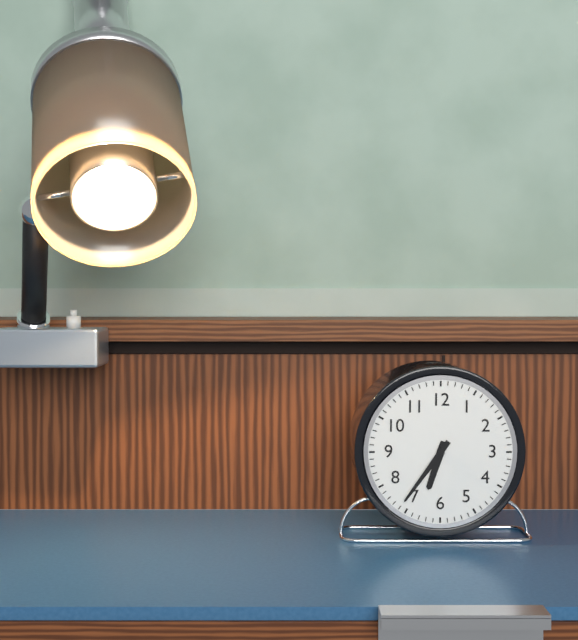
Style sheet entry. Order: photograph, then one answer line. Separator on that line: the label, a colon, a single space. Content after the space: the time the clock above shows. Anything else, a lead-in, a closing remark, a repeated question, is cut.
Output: 6:36
